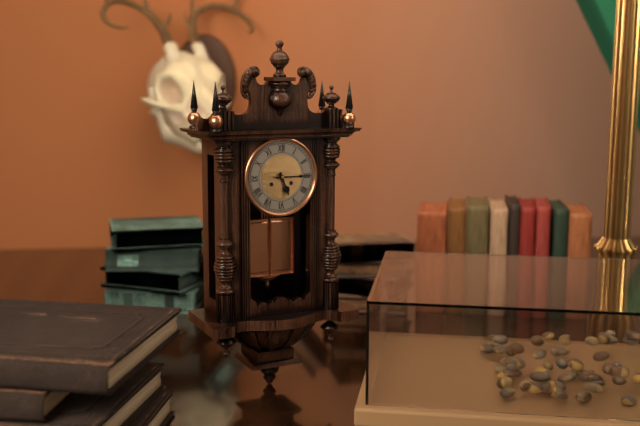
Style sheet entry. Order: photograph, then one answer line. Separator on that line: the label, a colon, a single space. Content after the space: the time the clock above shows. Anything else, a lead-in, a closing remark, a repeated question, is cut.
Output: 5:15
